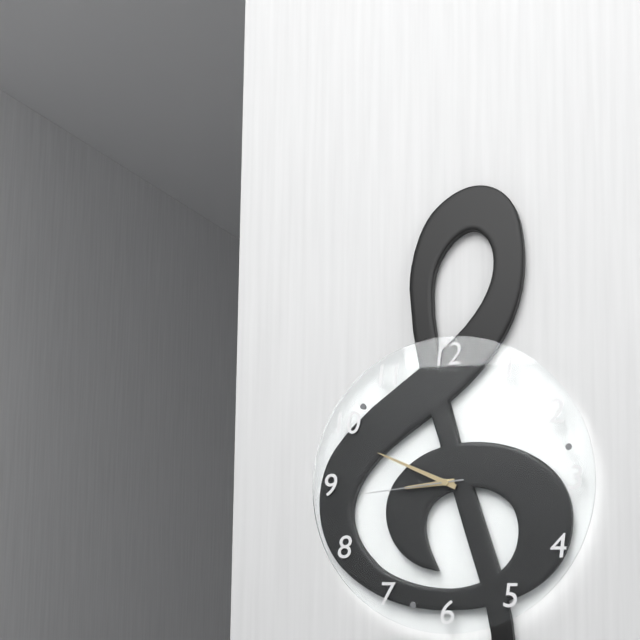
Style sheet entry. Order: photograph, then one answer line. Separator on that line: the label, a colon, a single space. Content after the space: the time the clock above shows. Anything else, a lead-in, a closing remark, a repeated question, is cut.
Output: 8:49:44
